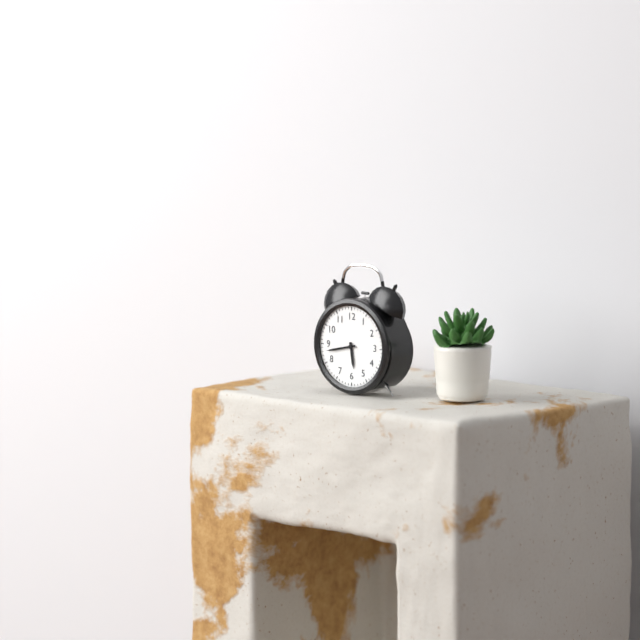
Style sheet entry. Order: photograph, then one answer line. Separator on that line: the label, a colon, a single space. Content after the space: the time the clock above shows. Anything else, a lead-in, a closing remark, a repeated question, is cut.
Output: 5:43
